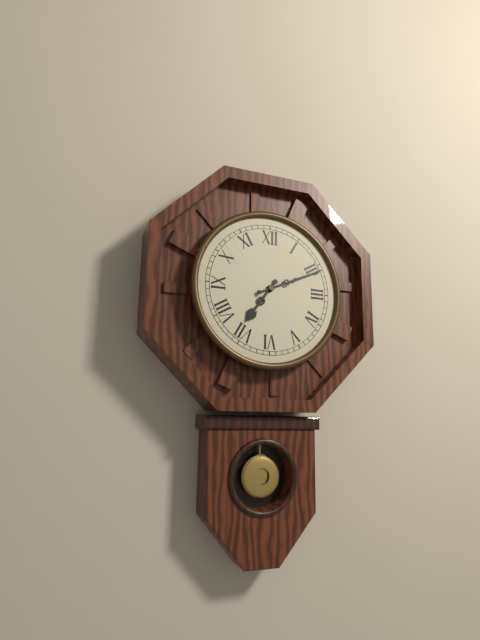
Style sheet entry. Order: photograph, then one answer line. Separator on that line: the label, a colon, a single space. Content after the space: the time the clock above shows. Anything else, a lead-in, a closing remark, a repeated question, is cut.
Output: 7:11
